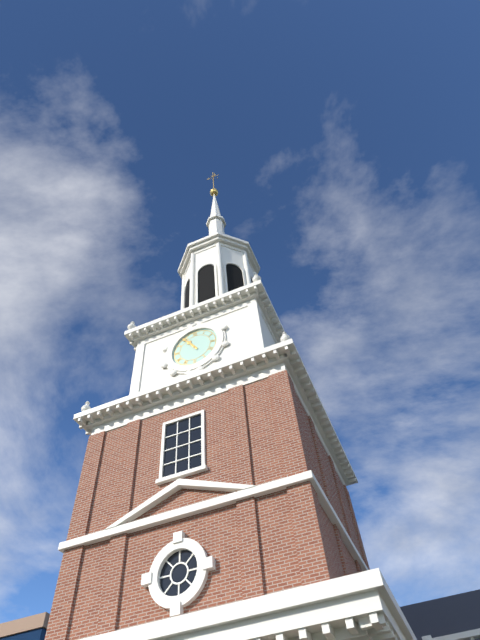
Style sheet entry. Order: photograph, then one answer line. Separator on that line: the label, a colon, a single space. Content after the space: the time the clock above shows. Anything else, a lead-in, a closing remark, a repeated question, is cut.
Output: 10:54
